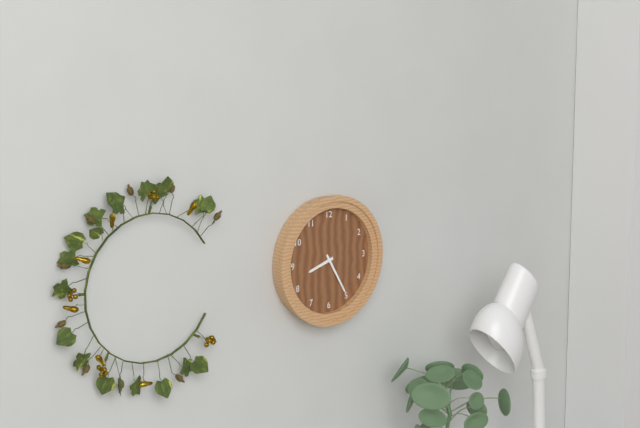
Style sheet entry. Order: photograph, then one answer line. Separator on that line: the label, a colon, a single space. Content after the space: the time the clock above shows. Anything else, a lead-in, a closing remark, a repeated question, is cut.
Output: 8:25
